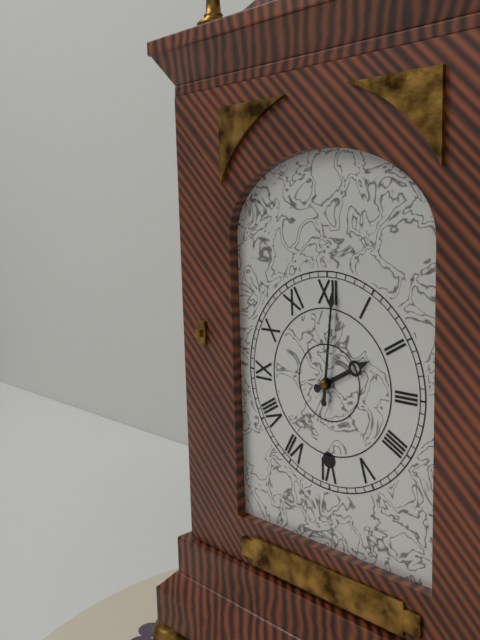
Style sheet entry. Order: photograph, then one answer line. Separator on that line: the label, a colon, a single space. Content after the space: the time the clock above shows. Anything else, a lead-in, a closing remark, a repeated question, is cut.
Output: 2:01
